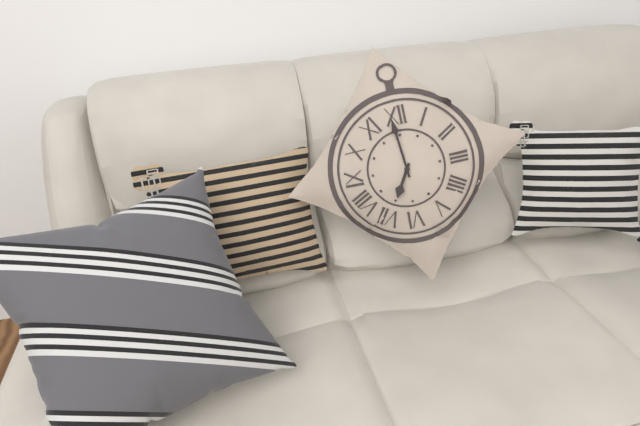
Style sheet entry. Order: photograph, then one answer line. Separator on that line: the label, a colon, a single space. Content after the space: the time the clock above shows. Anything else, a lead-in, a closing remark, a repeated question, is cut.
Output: 6:59
